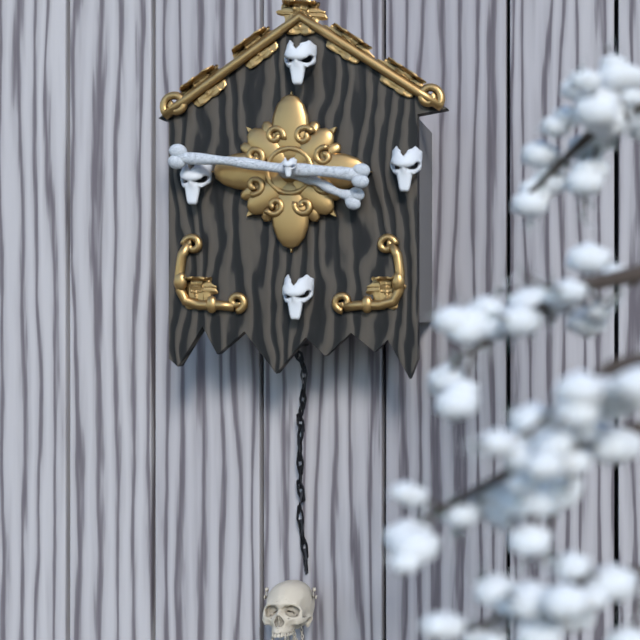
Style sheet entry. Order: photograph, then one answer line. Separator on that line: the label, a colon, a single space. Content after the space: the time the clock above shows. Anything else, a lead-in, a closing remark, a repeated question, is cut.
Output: 3:46
